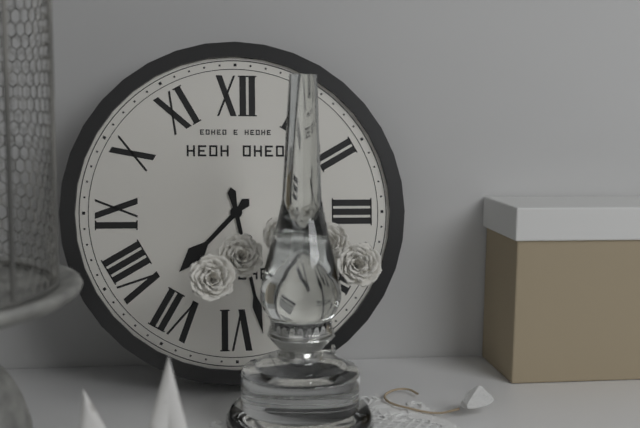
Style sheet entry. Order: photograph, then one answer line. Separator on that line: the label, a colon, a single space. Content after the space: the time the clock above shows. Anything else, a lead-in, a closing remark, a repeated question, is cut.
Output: 7:28
